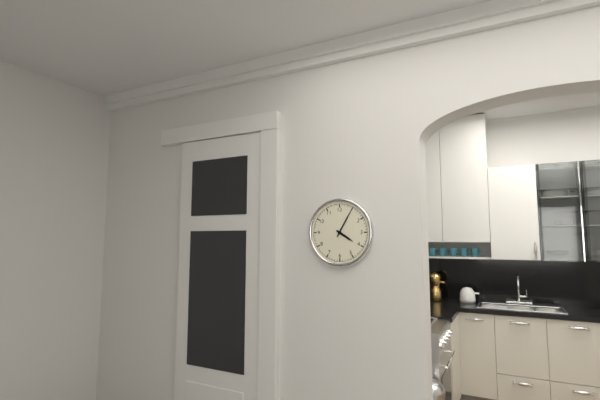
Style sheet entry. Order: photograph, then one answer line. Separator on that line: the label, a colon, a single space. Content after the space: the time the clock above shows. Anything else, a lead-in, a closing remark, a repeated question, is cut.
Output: 4:05
